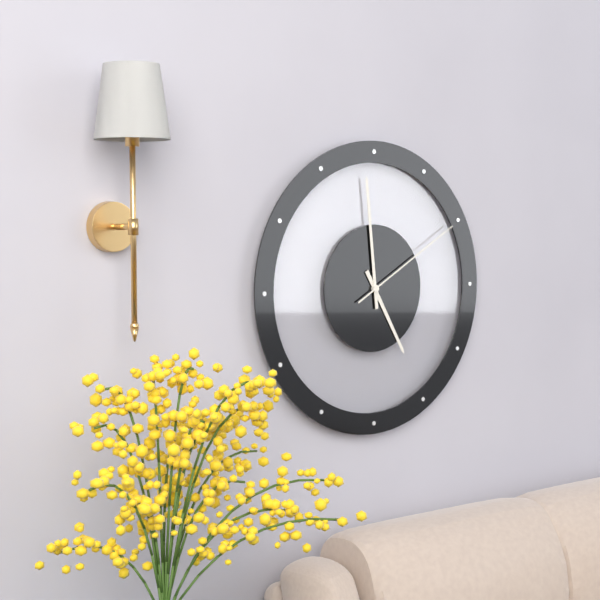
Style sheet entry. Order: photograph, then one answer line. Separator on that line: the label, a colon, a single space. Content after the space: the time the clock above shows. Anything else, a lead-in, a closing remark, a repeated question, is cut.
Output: 4:59:10
